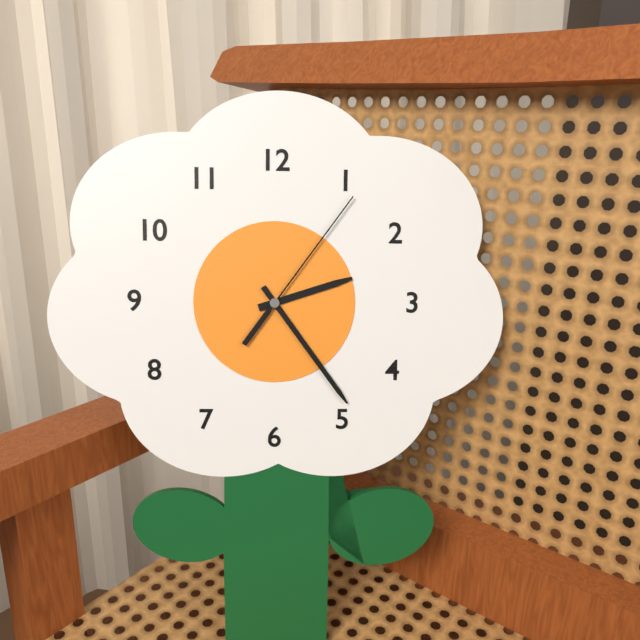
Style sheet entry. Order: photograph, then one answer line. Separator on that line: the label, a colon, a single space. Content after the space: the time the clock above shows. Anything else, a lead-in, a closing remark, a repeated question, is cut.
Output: 2:24:06
